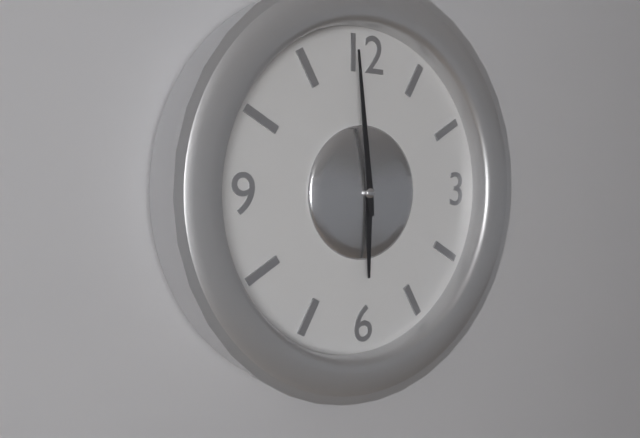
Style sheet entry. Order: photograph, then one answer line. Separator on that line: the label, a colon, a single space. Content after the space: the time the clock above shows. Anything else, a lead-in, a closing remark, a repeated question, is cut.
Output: 5:59
